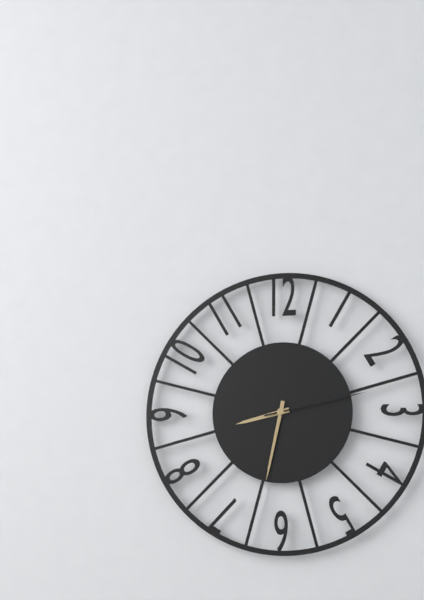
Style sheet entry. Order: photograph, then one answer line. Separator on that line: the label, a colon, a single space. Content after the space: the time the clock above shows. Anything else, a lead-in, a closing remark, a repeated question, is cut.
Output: 8:32:13
